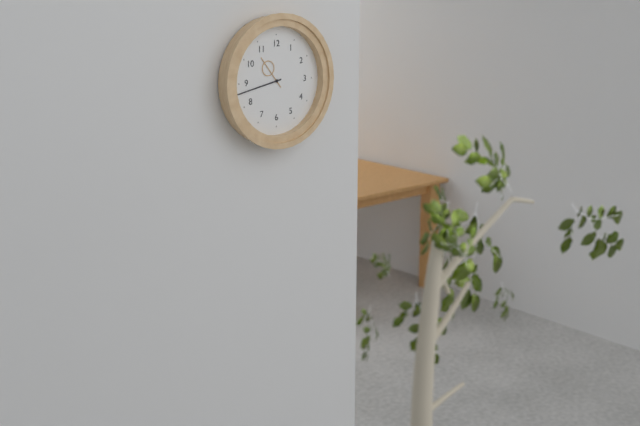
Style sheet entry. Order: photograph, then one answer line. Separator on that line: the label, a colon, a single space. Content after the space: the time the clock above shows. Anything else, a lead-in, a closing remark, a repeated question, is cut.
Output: 10:43
